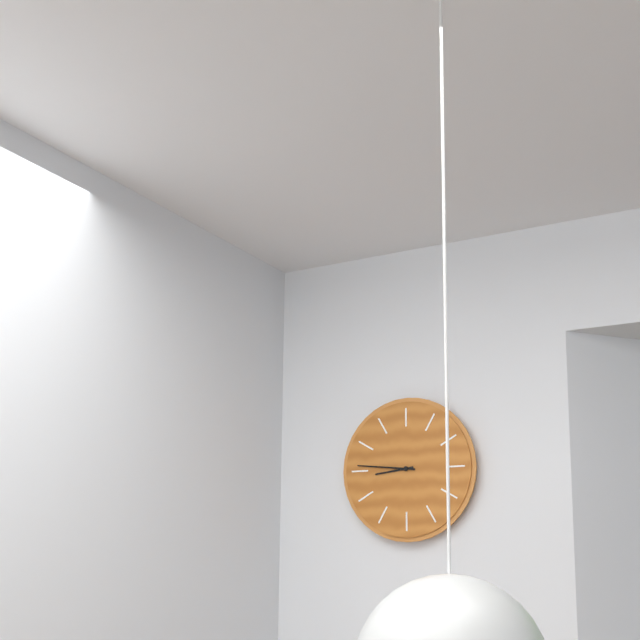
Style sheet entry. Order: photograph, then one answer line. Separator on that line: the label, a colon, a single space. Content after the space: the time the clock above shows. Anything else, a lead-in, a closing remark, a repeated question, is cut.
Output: 8:46
